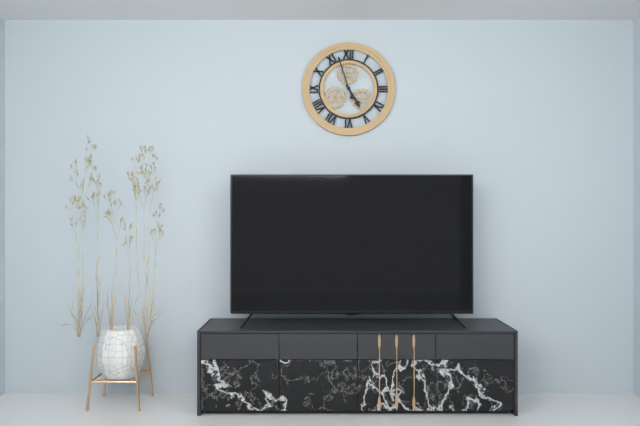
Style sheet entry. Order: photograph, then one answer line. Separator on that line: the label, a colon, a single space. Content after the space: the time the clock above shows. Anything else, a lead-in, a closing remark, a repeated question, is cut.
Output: 4:57
